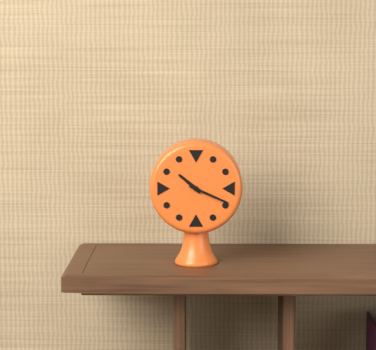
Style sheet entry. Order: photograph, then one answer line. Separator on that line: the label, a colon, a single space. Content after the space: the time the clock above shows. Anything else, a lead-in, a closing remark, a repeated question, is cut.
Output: 10:19
